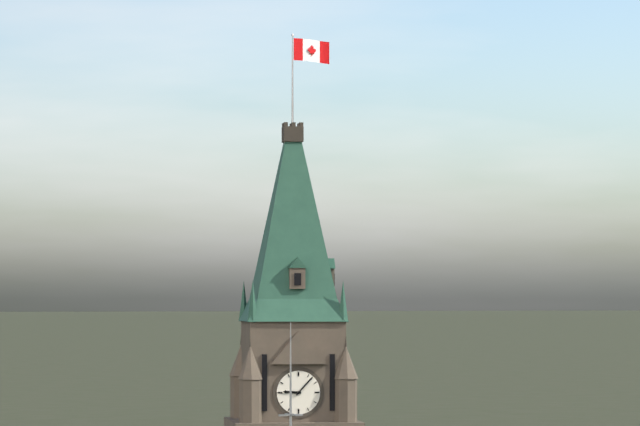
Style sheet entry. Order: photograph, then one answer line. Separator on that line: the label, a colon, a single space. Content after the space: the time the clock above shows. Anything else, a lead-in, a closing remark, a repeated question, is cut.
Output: 9:07
